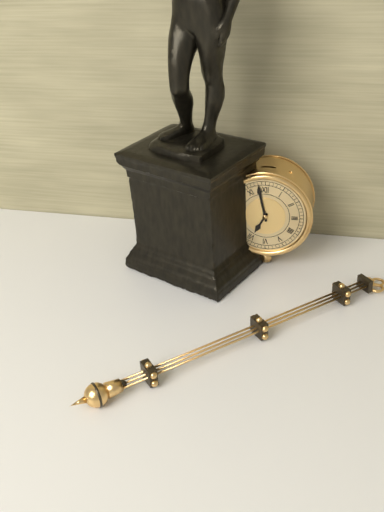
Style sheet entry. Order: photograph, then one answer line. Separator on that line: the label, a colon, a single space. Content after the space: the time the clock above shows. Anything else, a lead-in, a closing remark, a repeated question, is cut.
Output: 6:58
